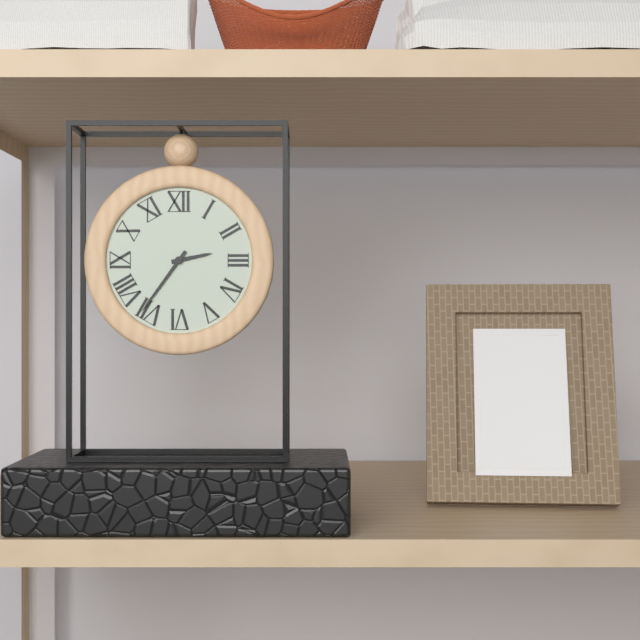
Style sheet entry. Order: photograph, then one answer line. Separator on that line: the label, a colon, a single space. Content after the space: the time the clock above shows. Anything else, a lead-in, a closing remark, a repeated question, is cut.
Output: 2:36
